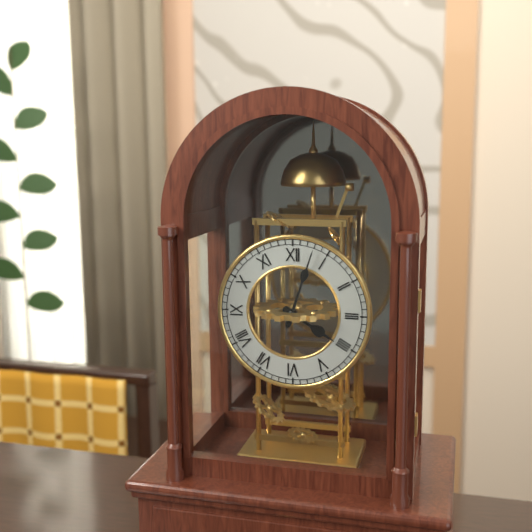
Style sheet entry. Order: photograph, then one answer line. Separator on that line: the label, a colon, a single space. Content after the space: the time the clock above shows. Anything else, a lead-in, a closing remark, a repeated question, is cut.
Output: 4:03
